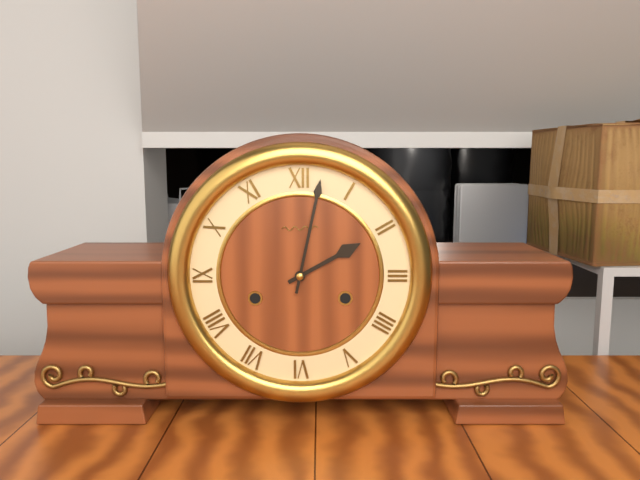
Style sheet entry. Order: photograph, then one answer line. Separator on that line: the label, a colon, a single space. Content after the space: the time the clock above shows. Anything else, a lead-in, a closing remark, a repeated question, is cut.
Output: 2:02
